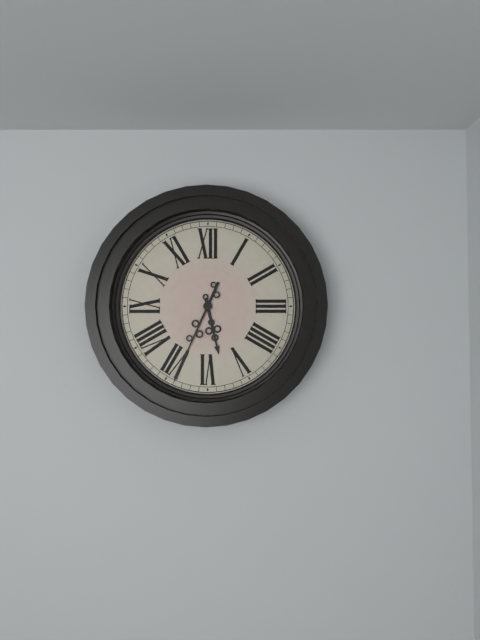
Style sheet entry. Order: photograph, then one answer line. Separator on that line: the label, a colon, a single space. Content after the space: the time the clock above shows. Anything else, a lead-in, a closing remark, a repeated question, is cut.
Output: 5:34
